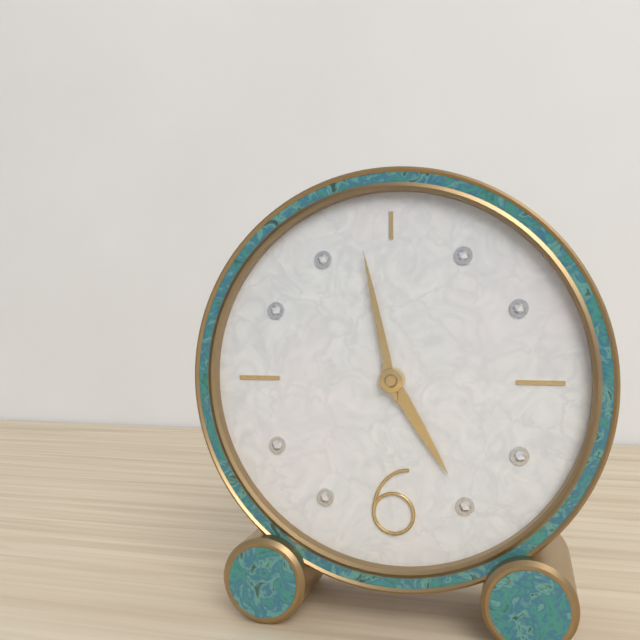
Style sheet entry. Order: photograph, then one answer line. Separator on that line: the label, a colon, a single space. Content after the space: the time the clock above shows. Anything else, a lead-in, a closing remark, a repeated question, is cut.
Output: 4:58
